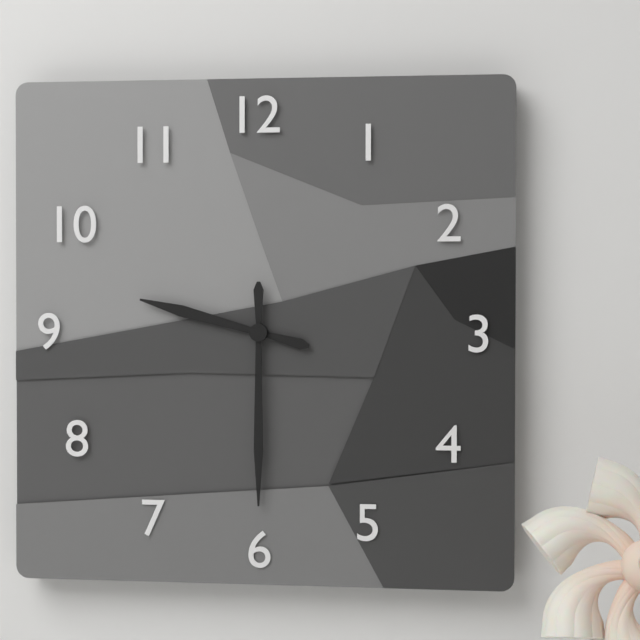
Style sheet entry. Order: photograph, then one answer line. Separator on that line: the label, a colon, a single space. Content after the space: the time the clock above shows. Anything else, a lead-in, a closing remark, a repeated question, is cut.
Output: 9:30
